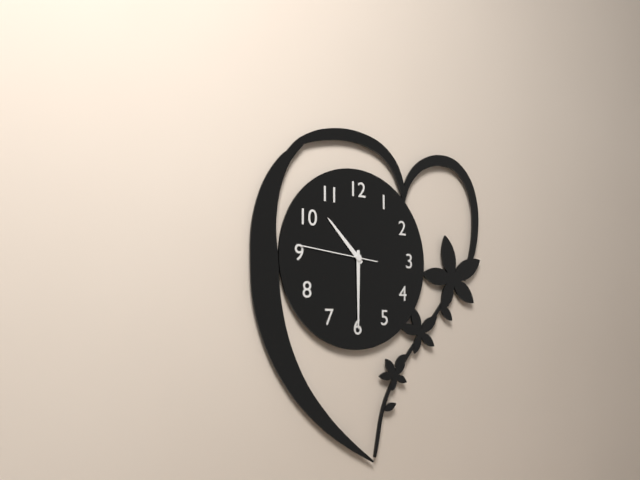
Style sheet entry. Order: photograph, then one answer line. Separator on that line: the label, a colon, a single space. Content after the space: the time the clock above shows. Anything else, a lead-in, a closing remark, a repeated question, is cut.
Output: 10:30:46
